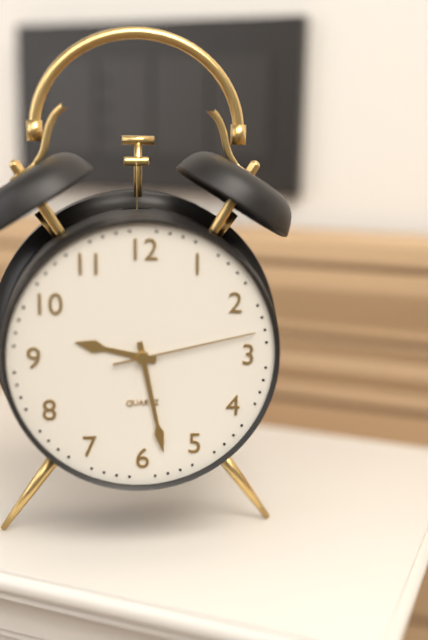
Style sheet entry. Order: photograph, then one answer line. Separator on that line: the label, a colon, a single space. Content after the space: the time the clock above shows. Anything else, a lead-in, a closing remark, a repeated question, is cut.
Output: 9:28:13
